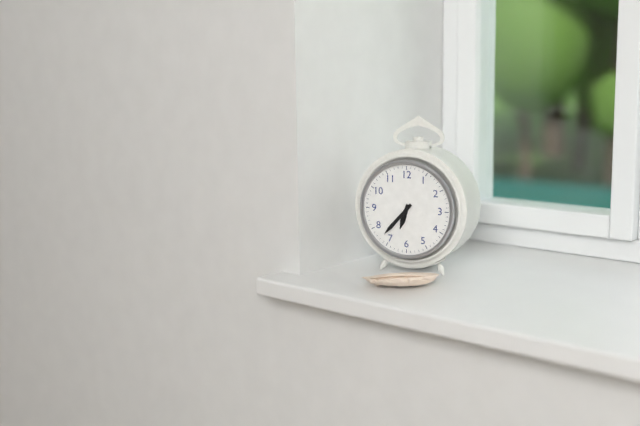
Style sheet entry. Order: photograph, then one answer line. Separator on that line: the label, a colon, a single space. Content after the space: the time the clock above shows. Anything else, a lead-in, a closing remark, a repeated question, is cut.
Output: 6:37
